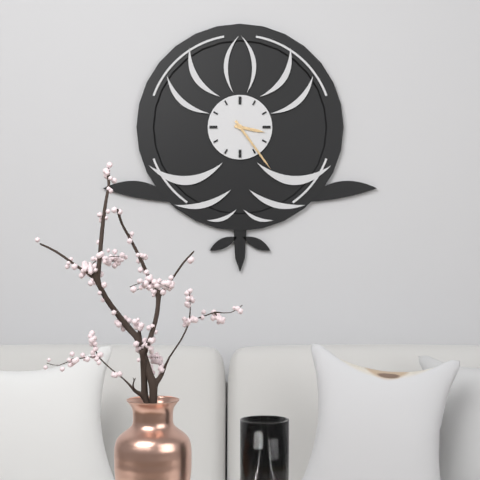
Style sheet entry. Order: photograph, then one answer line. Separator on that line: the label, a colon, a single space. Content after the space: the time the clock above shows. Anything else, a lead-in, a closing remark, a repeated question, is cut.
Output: 3:24
